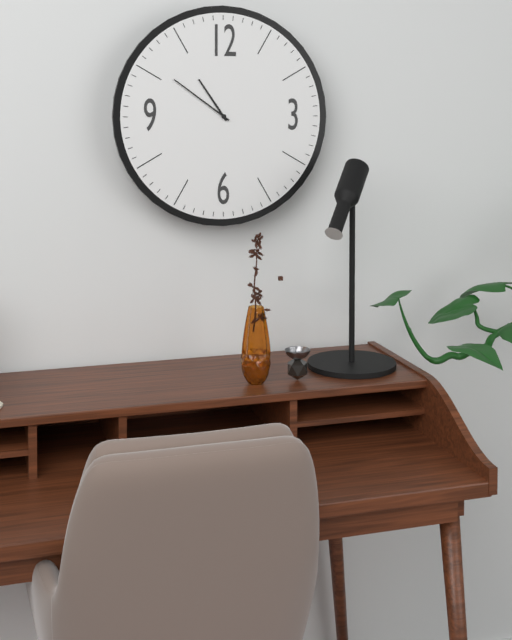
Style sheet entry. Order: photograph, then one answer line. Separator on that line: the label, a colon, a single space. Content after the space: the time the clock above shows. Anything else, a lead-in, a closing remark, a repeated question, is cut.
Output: 10:51
